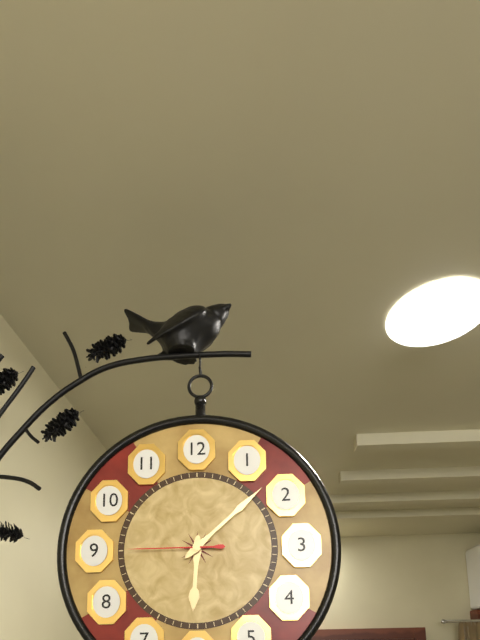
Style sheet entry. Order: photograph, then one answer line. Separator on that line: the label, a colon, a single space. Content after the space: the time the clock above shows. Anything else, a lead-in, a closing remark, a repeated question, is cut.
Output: 6:08:45
